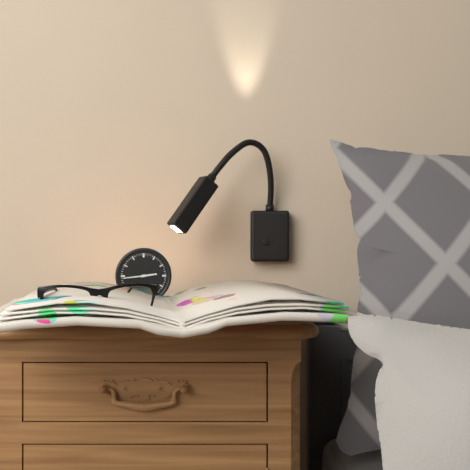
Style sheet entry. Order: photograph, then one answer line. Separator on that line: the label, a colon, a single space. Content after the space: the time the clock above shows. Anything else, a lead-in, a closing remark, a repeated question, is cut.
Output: 2:44
